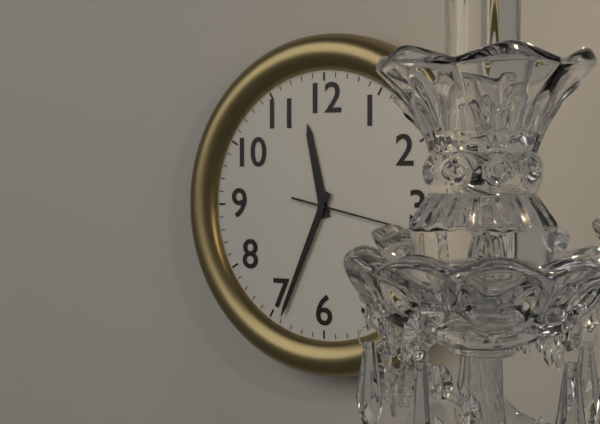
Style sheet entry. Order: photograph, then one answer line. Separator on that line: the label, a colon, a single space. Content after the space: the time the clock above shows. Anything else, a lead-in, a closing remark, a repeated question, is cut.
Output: 11:34:17
